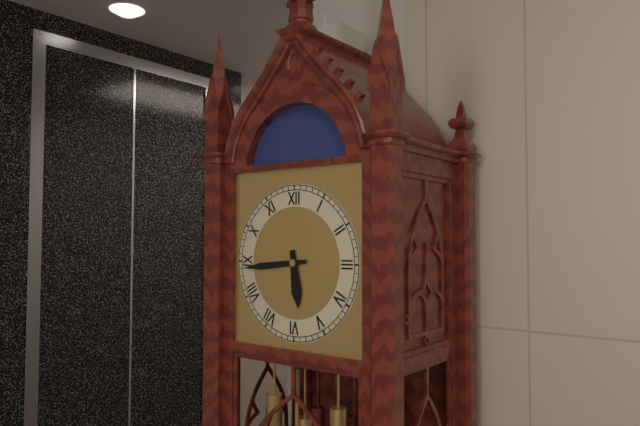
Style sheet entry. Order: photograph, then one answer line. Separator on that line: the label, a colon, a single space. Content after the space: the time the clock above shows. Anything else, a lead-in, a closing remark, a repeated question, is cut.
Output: 5:44
